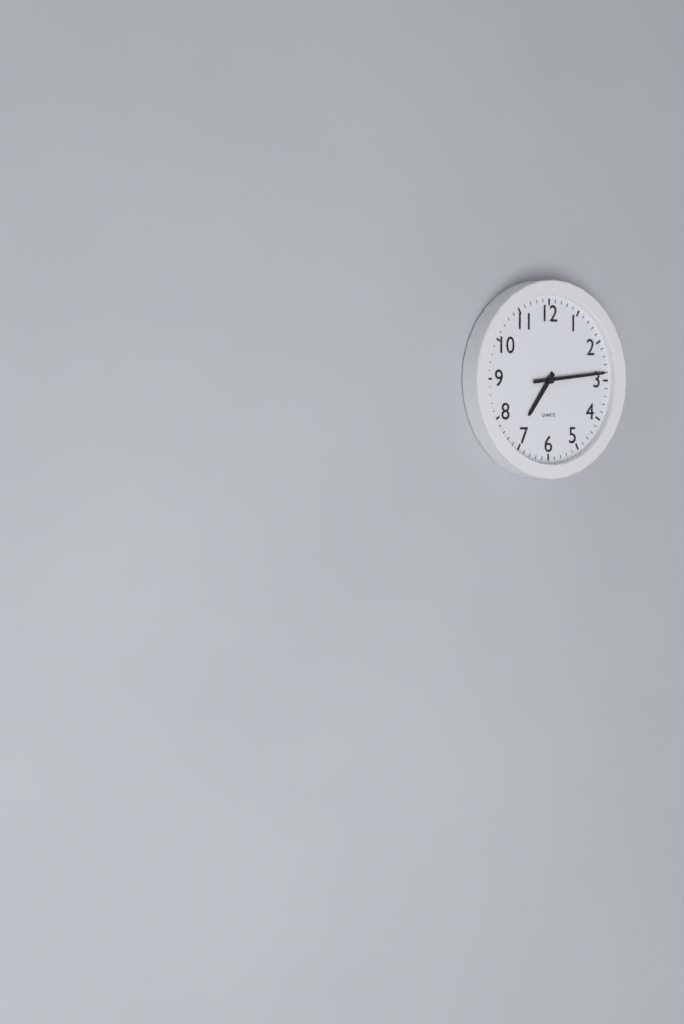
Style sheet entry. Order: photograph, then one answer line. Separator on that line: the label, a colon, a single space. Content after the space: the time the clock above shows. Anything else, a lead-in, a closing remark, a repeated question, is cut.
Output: 7:14
